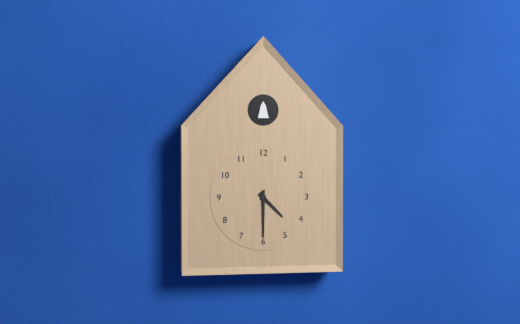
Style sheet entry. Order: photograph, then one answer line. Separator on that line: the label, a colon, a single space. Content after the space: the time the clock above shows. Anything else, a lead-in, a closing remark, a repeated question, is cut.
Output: 4:30
